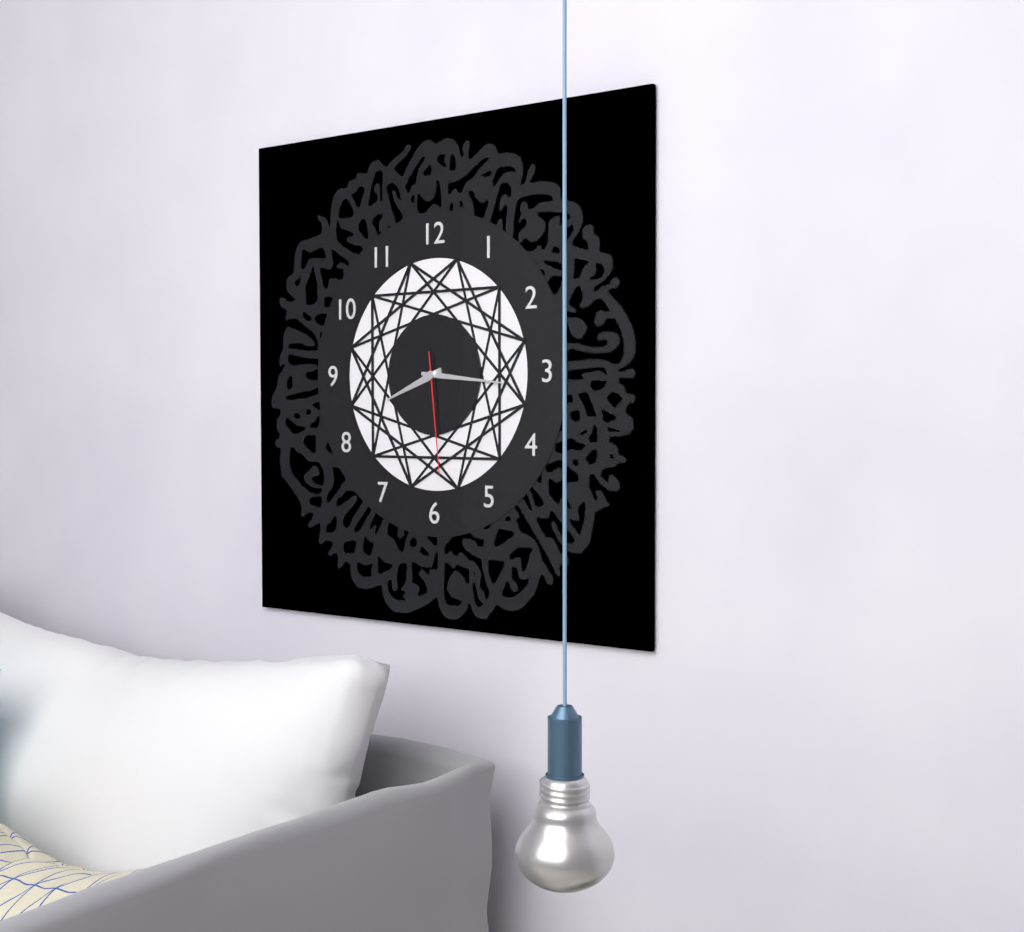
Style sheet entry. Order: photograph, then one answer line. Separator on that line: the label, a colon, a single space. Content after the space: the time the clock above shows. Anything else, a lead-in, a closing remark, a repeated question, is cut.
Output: 8:16:29
